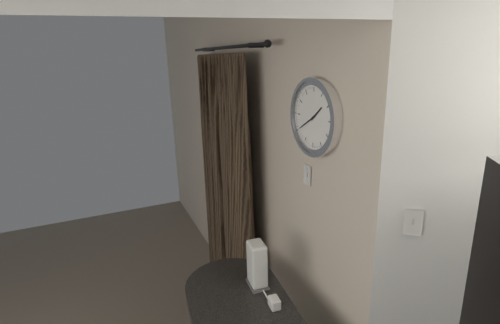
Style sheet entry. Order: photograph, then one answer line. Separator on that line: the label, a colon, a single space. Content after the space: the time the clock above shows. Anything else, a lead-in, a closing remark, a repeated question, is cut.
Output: 1:40
